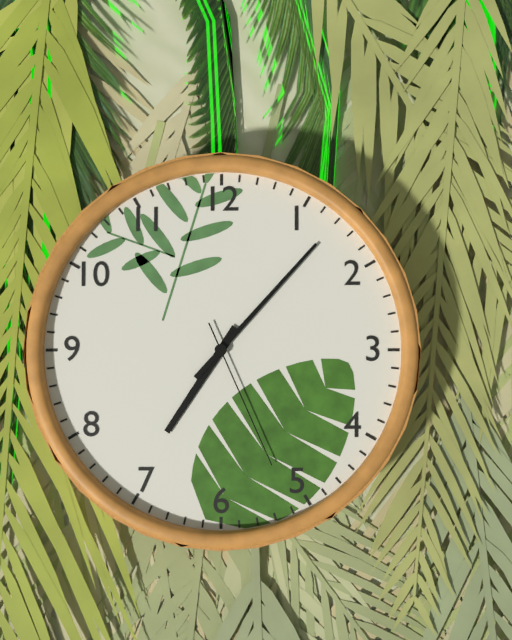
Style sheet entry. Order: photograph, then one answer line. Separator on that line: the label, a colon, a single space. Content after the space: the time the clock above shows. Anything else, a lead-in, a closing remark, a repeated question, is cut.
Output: 7:07:26
